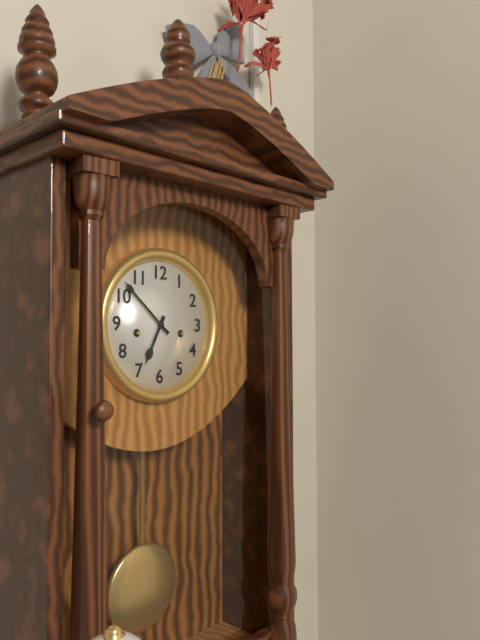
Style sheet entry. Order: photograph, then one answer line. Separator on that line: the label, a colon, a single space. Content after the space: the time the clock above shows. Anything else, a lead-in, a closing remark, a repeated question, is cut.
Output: 6:52
